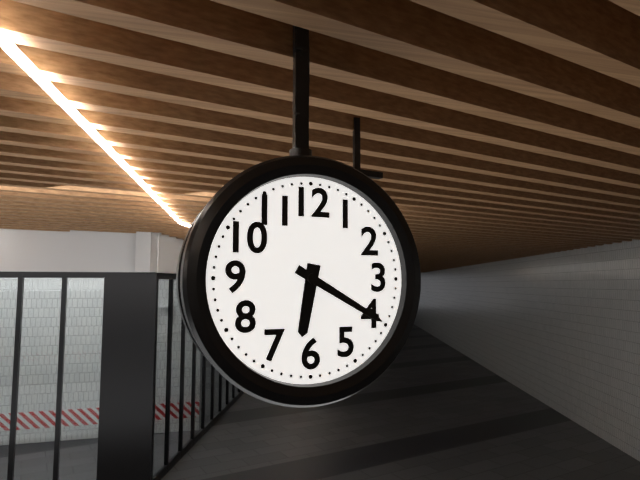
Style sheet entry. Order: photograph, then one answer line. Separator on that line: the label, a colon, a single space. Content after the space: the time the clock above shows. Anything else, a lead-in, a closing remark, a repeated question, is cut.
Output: 6:20
